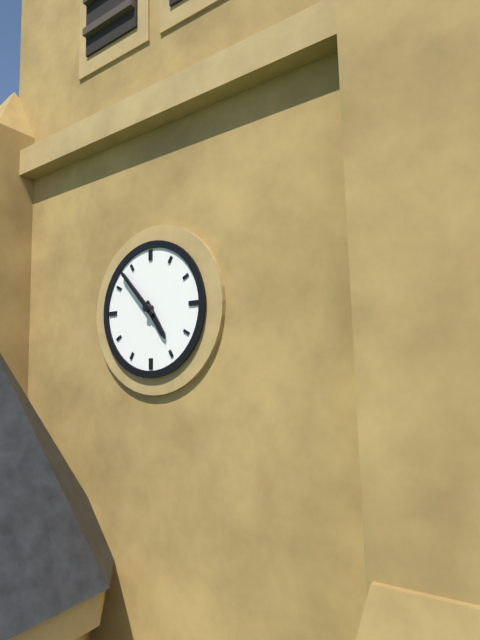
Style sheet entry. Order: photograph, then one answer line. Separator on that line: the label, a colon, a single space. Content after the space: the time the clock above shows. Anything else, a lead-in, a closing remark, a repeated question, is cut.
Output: 4:53
